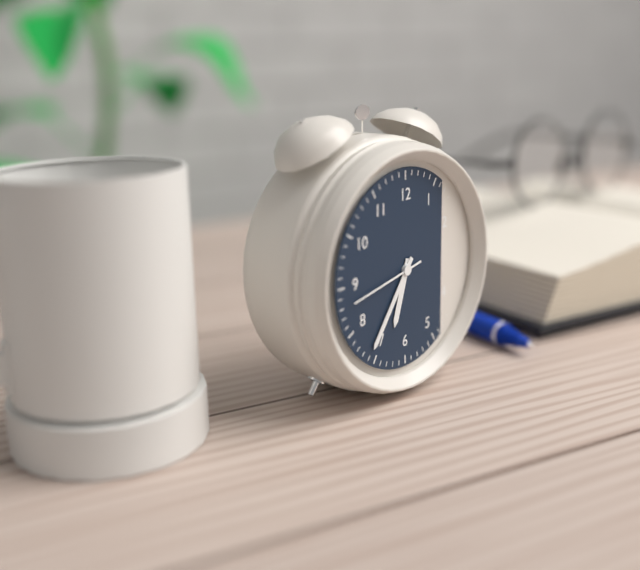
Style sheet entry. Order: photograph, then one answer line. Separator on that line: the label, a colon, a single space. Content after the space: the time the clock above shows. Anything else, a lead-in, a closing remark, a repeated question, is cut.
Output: 6:36:43
